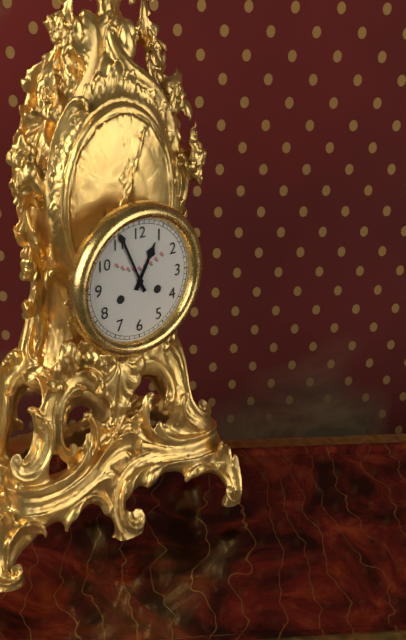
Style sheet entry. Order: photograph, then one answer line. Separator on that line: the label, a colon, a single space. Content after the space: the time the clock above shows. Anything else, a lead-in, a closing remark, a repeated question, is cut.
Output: 12:56
